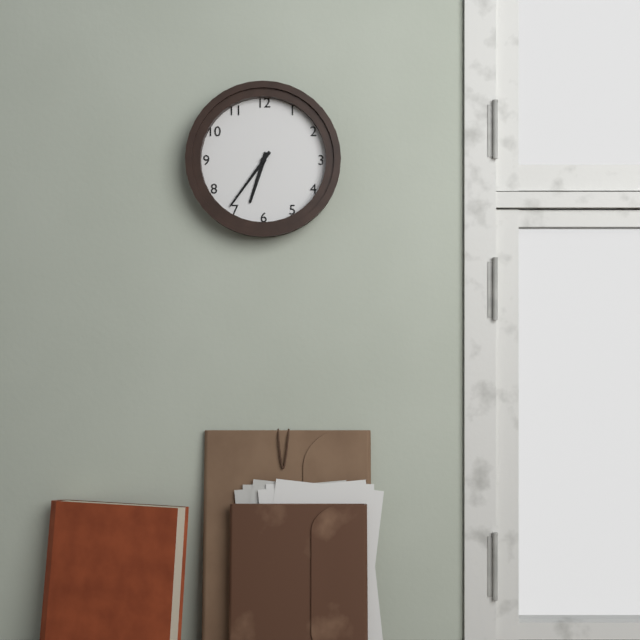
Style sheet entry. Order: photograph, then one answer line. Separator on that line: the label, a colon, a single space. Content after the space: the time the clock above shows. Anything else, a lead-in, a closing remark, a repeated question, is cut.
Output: 6:36
